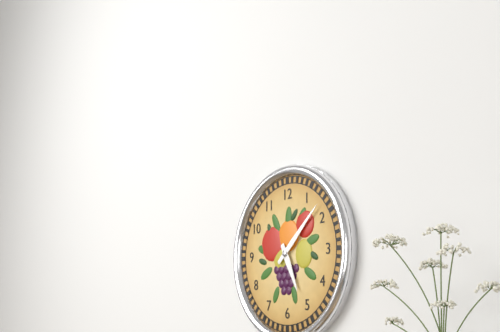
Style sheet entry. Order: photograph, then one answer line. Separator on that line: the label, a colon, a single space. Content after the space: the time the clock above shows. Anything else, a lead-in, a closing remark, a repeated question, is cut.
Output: 5:08
